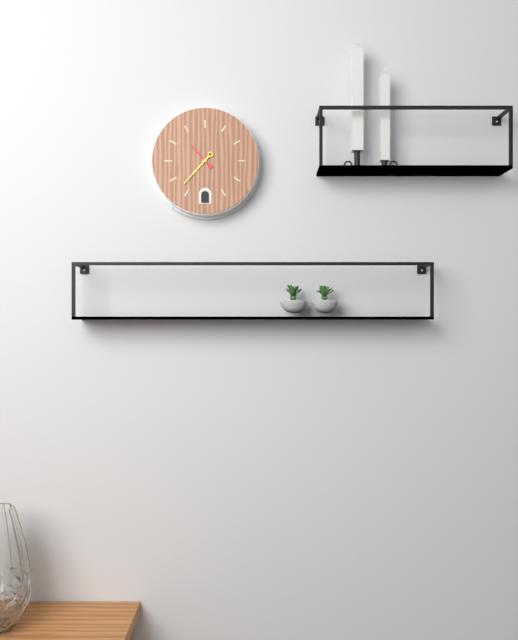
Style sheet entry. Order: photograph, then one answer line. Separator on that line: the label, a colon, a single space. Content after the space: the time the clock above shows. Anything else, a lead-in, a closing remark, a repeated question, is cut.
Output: 10:37
